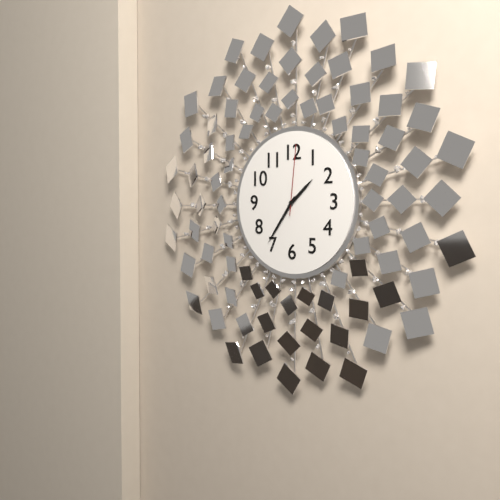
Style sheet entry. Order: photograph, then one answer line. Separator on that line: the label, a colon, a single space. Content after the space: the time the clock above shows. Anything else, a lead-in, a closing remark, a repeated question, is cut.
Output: 1:36:01
